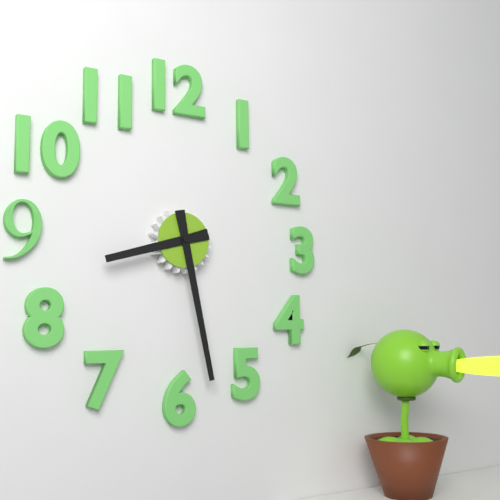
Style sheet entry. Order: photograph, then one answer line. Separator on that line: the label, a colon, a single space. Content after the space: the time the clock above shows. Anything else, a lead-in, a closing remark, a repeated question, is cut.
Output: 8:28
